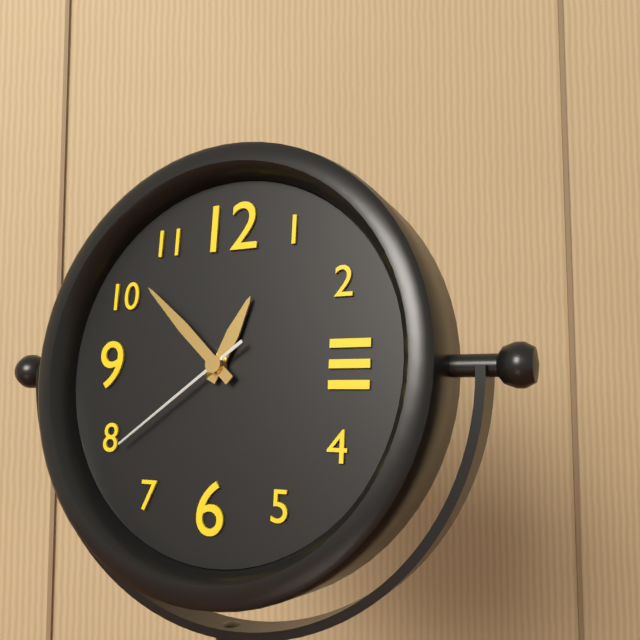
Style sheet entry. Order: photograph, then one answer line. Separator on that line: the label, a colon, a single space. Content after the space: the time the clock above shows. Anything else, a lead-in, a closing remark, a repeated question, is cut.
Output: 12:52:39
